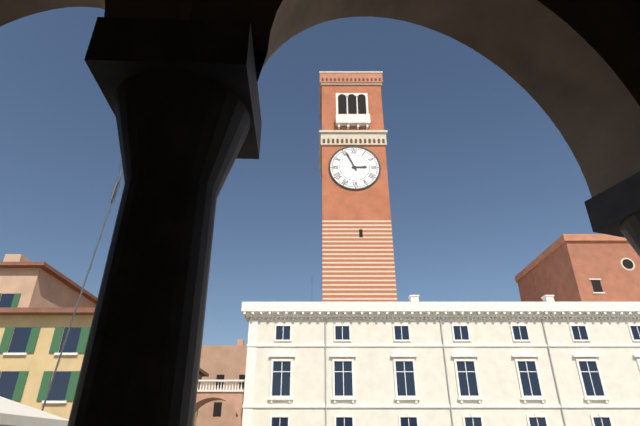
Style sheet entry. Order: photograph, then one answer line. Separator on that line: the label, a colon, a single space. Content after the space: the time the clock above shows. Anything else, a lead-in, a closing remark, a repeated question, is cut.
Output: 2:56
